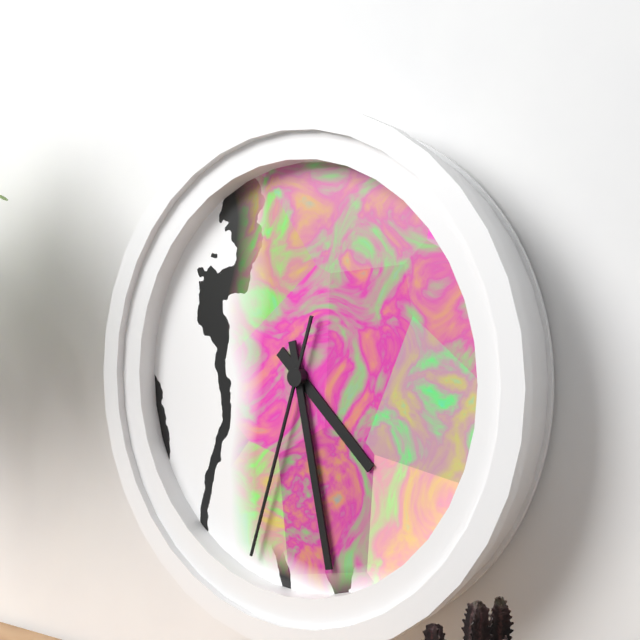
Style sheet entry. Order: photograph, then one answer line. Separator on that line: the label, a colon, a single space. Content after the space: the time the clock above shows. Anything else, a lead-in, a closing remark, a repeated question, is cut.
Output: 4:28:33
